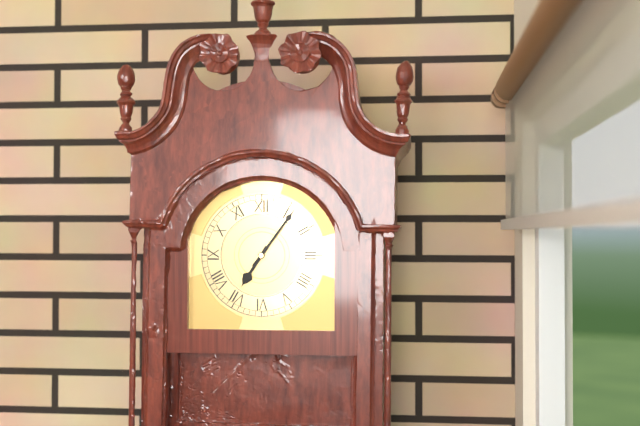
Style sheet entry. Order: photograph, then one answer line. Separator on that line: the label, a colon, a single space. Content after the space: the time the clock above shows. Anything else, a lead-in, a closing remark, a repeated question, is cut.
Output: 7:06
